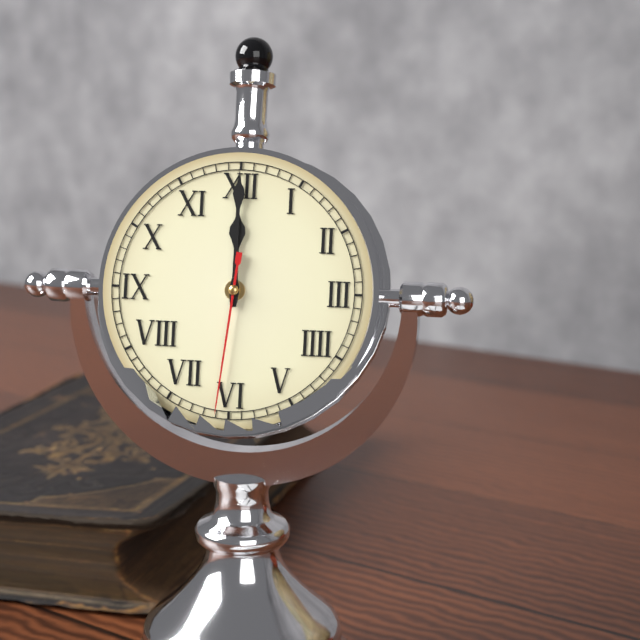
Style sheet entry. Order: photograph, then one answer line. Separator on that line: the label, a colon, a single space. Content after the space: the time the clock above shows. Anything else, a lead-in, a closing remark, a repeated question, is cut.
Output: 12:00:31
